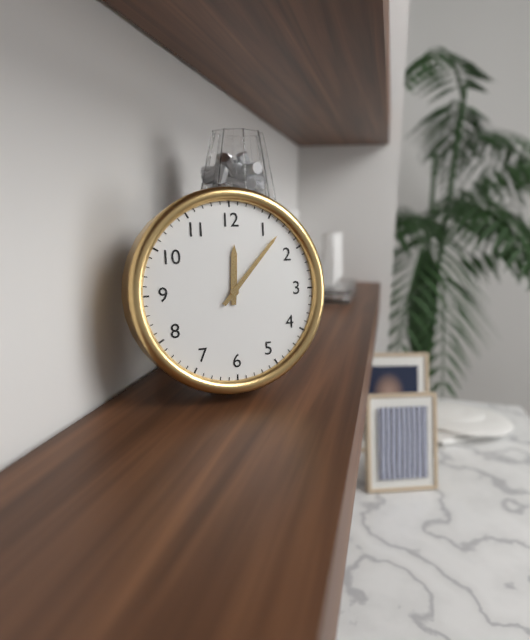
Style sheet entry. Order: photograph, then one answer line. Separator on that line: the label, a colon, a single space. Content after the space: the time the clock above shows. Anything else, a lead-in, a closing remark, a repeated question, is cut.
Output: 12:07
